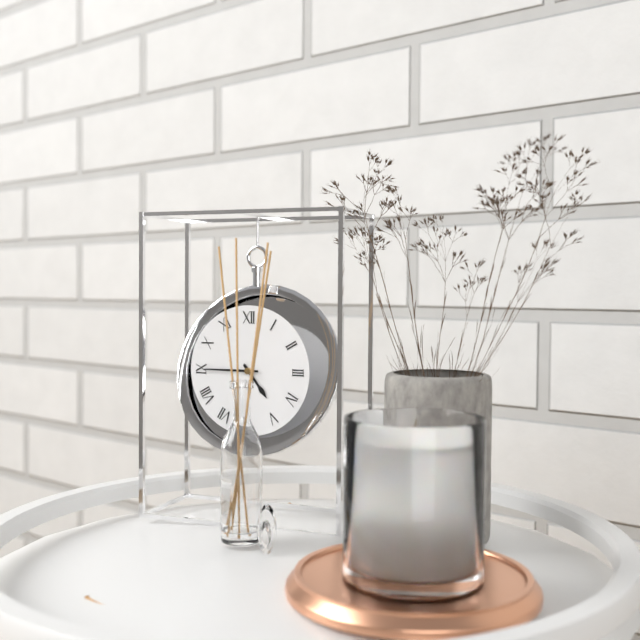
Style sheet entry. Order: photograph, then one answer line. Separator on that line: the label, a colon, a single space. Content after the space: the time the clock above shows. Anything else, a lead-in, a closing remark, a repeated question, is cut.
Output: 4:45
